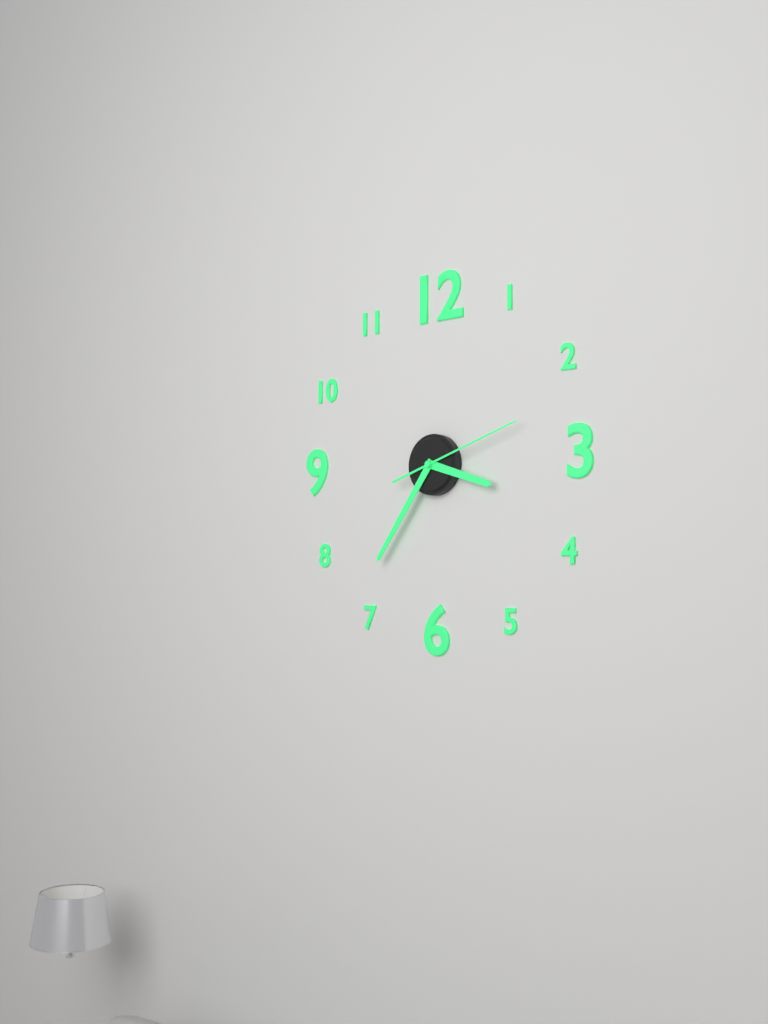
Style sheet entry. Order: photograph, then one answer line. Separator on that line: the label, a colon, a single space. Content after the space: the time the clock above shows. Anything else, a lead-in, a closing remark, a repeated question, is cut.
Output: 3:36:12
